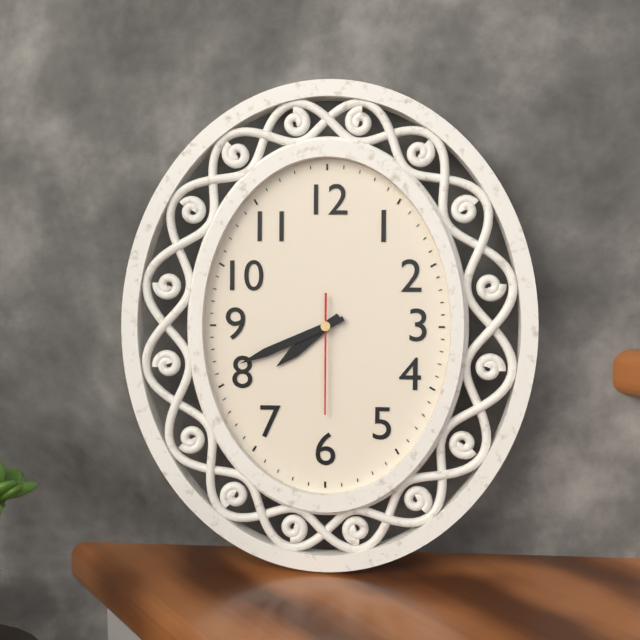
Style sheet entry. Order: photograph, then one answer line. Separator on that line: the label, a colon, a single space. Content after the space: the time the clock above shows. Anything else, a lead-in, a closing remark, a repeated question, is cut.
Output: 7:41:30
